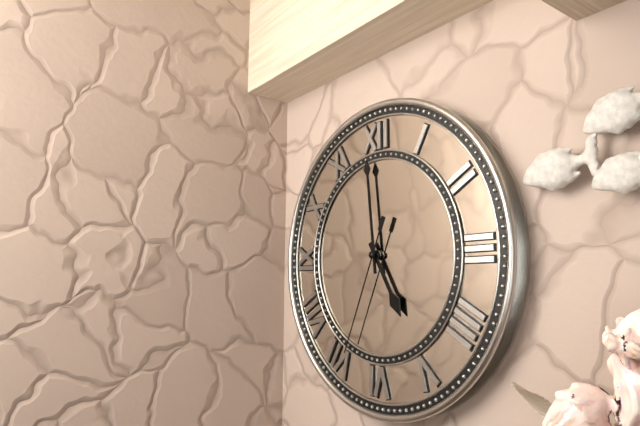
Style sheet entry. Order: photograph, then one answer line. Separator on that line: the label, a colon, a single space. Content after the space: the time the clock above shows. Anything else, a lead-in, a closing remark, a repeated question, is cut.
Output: 4:59:34
